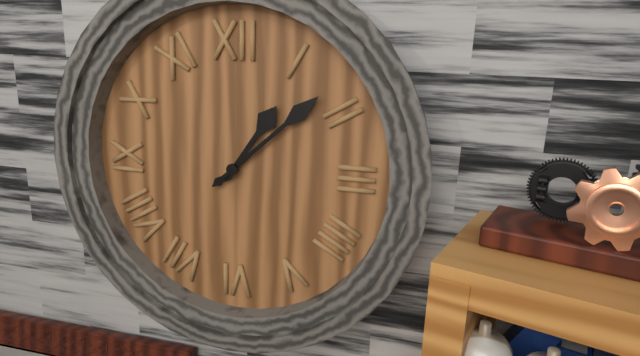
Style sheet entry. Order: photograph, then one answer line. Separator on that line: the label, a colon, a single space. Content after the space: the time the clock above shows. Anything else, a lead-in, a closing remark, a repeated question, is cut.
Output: 1:08
